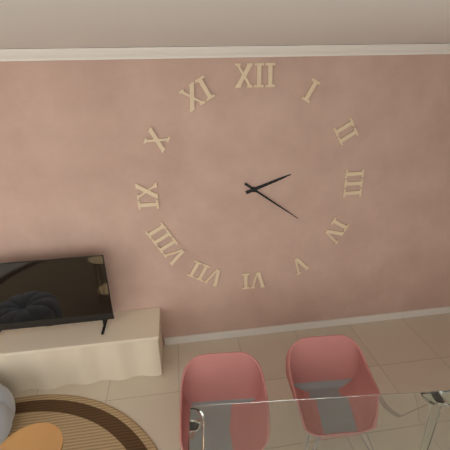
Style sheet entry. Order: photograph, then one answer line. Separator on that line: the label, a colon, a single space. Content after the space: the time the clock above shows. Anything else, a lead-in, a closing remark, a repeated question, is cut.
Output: 2:21
